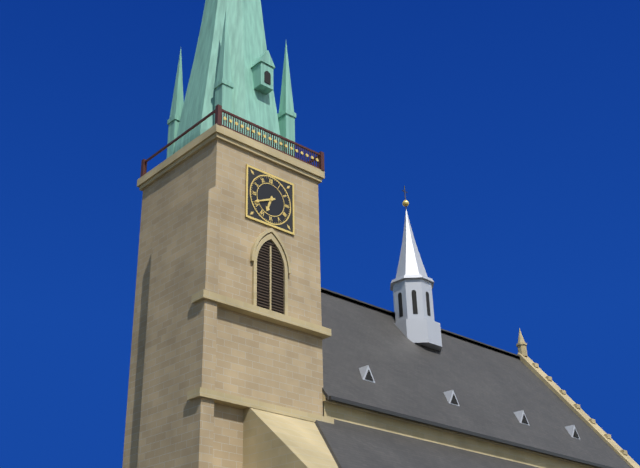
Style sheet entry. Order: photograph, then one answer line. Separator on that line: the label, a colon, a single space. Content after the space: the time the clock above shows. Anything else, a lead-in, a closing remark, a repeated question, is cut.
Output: 6:41
